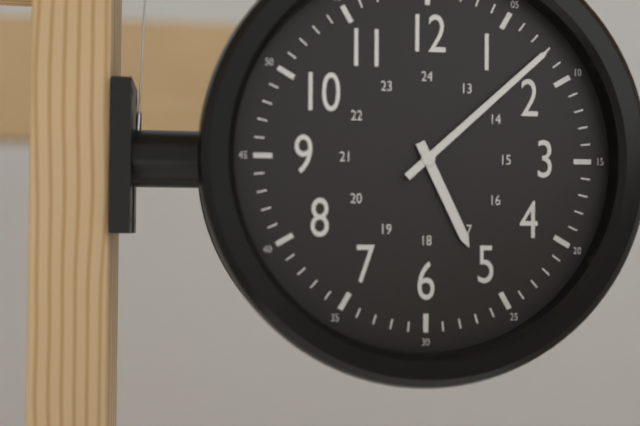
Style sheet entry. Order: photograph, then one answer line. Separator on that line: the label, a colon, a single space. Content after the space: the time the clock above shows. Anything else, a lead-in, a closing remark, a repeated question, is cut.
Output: 5:08
